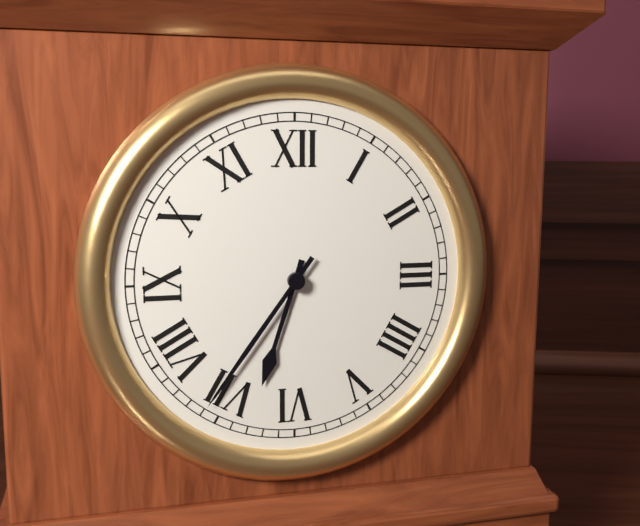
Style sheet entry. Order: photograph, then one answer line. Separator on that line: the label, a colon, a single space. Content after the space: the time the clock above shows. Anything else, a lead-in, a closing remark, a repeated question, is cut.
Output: 6:36
